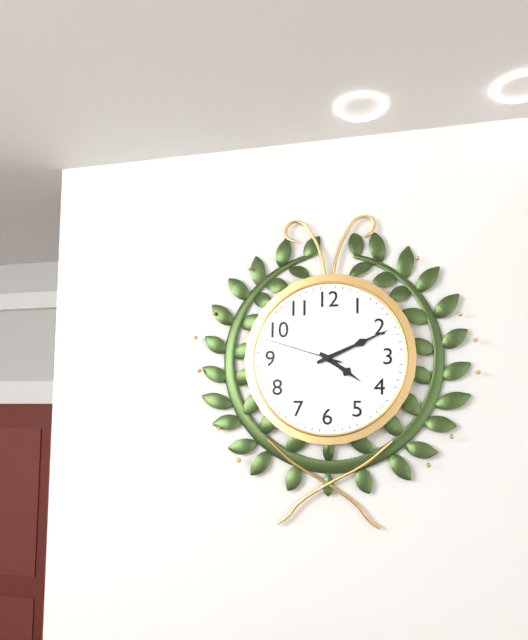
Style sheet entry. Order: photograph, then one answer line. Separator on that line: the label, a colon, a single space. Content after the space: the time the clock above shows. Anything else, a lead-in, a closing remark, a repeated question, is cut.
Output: 4:11:48
